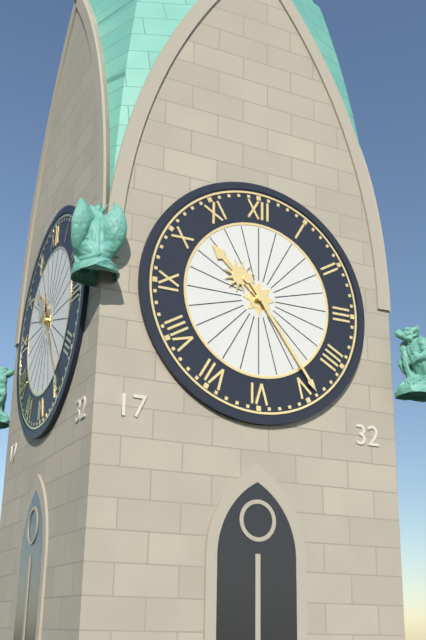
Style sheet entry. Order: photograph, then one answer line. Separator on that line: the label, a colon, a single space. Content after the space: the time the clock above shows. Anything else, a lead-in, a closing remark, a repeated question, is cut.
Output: 10:24
